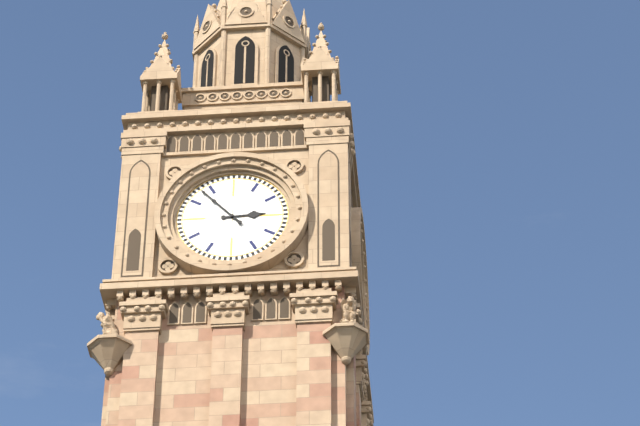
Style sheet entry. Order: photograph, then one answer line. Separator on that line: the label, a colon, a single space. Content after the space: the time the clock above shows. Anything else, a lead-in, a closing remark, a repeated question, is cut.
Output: 2:53
